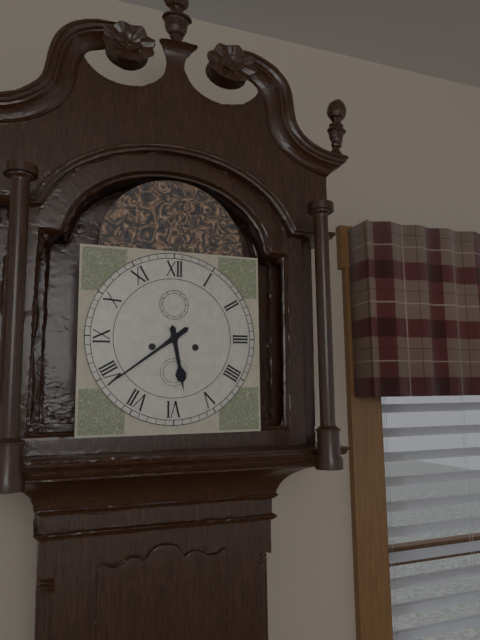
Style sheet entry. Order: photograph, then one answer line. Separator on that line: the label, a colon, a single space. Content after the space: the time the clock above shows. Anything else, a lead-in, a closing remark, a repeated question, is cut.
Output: 5:39
